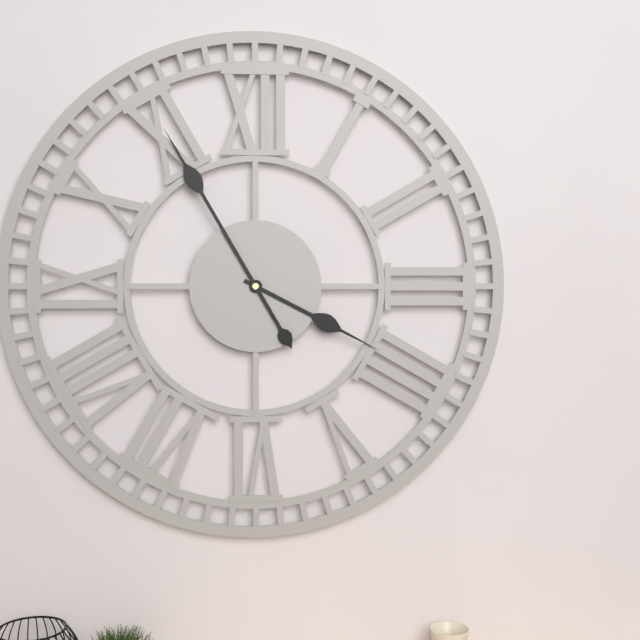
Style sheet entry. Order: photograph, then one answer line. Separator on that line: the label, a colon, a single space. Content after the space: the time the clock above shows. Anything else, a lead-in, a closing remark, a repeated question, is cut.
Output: 3:55
